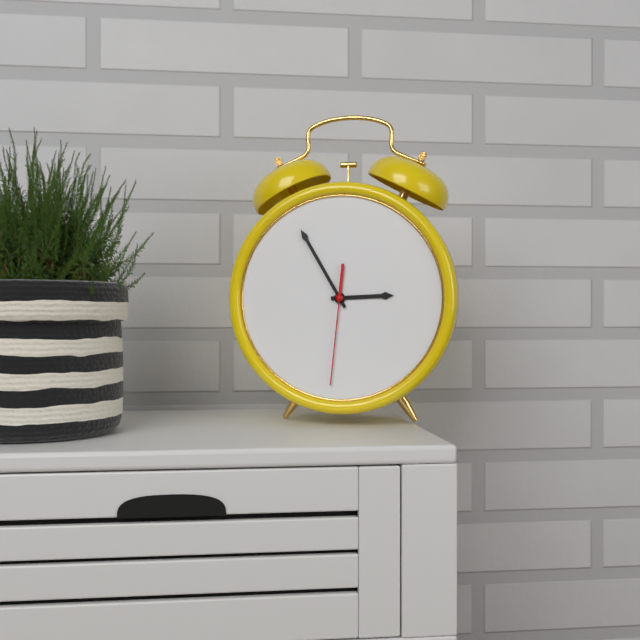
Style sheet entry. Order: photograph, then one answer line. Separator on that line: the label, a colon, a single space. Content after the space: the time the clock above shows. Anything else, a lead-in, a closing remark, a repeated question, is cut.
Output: 2:55:31
